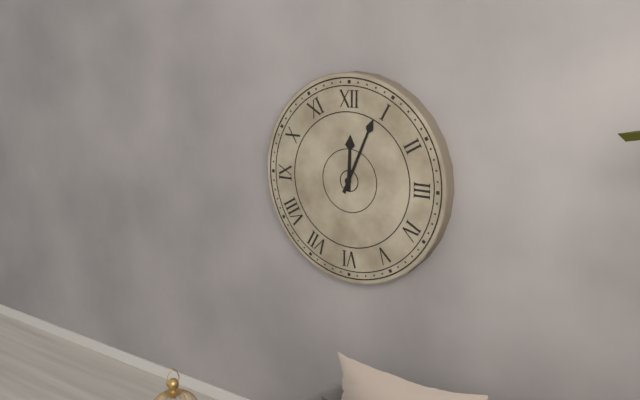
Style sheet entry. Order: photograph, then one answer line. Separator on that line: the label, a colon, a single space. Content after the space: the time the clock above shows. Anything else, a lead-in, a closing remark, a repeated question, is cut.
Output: 12:04
